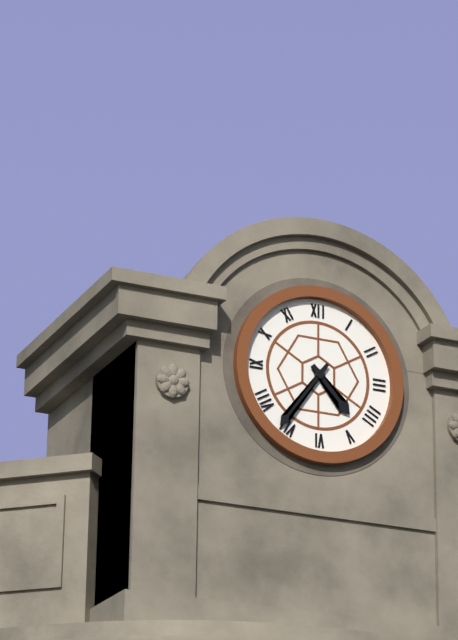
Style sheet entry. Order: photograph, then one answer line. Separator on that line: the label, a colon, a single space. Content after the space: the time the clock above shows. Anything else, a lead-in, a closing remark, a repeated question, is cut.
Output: 4:36
